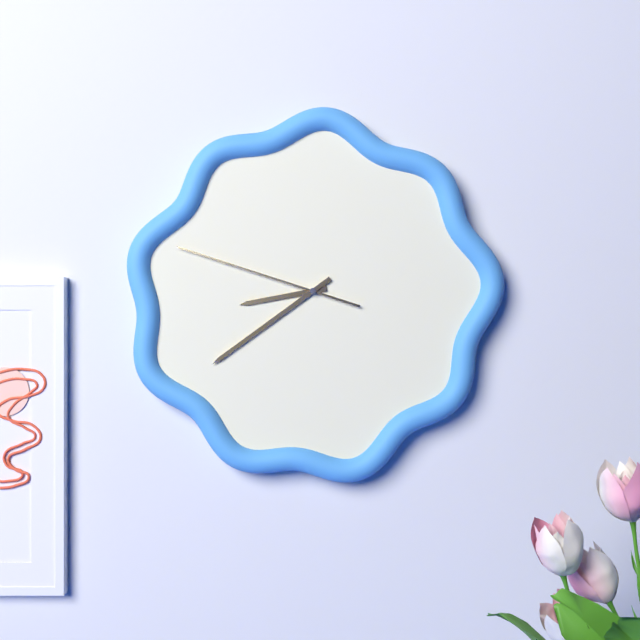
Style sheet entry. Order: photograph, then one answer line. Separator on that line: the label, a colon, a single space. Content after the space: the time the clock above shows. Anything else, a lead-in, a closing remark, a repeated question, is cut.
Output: 8:39:48
